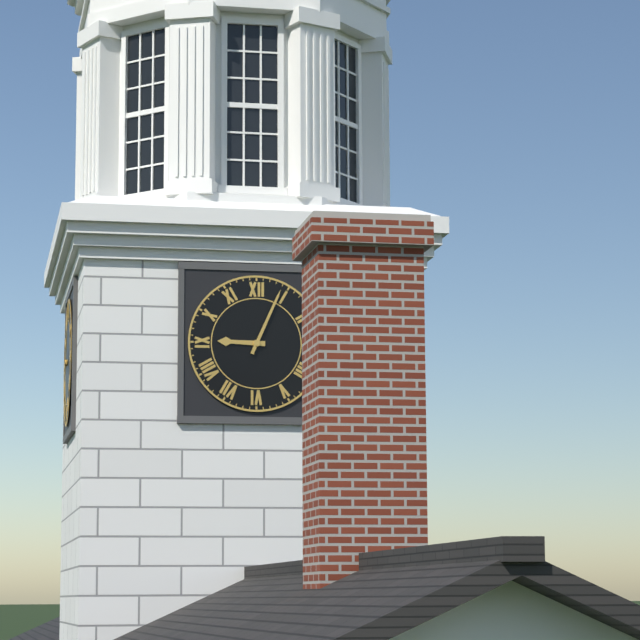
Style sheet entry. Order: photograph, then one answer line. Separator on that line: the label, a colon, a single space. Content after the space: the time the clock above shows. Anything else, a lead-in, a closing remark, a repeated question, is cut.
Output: 9:04
